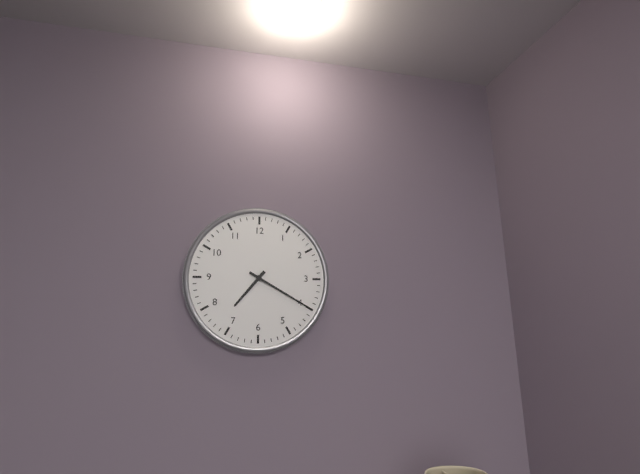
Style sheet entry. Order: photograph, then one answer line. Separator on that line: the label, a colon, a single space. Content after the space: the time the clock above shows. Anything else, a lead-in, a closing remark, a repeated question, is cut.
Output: 7:20
